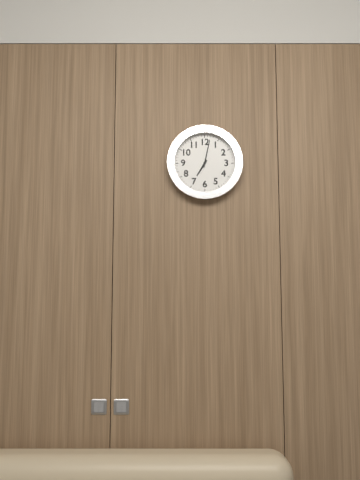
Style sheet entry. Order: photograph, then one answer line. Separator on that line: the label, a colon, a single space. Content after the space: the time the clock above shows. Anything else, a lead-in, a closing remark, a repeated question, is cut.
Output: 7:02
